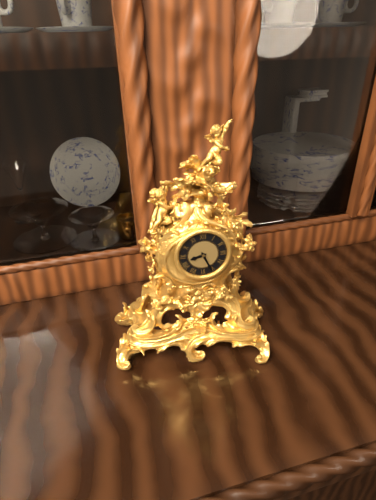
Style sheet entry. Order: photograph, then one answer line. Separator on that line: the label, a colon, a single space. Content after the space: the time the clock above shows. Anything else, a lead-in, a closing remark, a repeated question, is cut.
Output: 8:26
